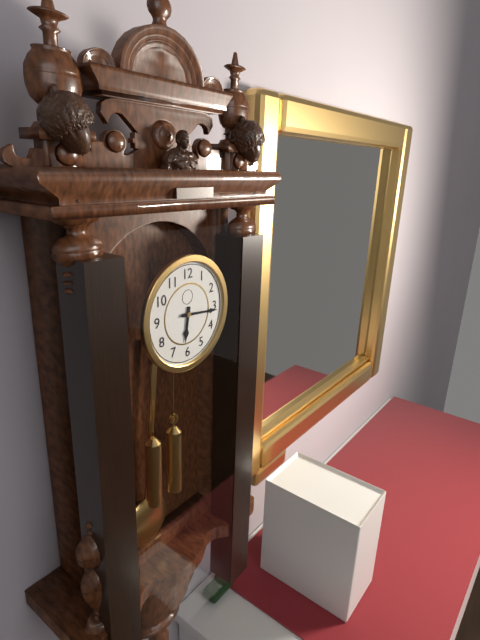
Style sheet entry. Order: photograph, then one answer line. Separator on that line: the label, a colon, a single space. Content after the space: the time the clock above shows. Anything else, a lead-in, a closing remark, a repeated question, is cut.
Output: 6:16
